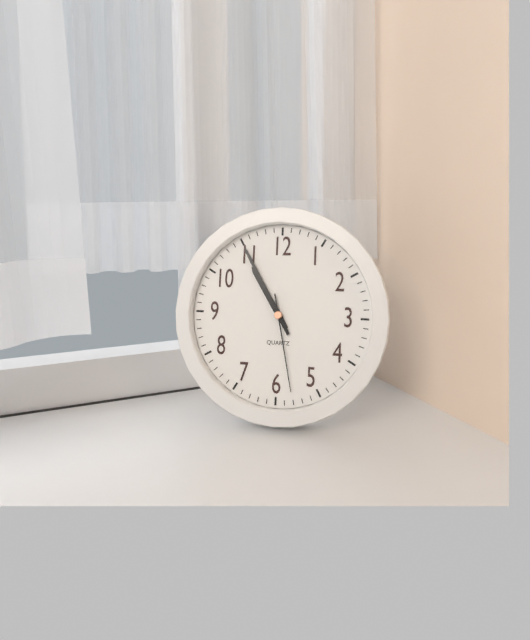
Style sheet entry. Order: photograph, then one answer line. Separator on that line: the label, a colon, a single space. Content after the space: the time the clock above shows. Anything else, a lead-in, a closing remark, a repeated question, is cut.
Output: 10:55:28
